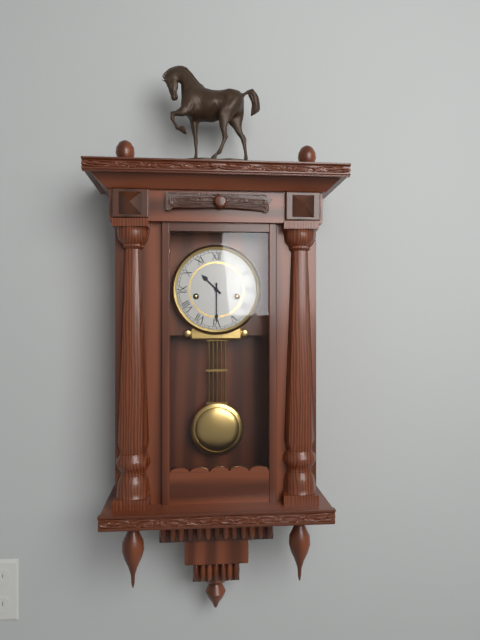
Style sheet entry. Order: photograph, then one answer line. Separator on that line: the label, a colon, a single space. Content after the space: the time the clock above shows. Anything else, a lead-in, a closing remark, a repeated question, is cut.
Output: 10:30
